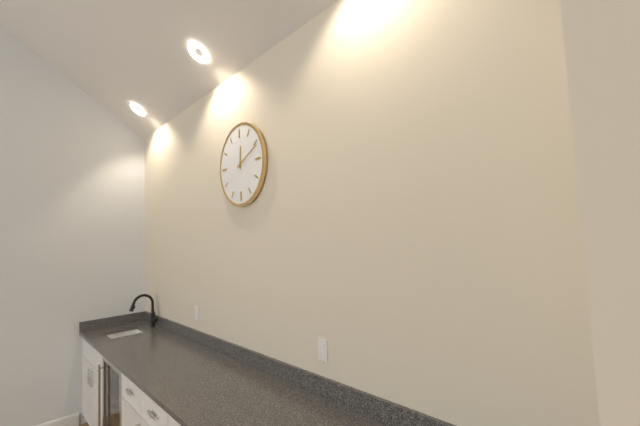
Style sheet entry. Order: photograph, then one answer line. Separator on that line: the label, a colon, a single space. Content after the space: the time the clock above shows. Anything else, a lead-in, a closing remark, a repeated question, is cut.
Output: 12:11
